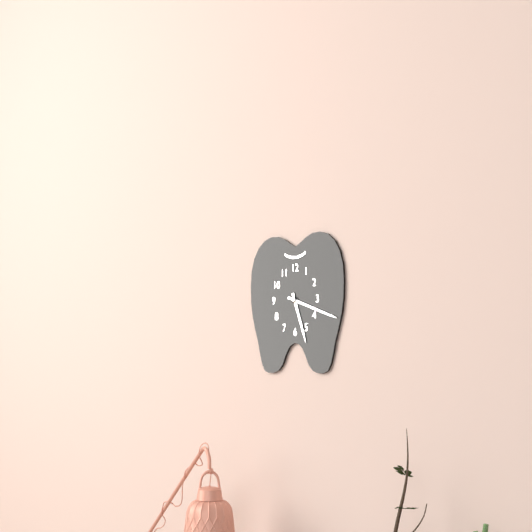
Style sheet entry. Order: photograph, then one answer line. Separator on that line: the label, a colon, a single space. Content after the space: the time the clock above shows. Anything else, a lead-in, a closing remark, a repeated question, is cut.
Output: 5:18
